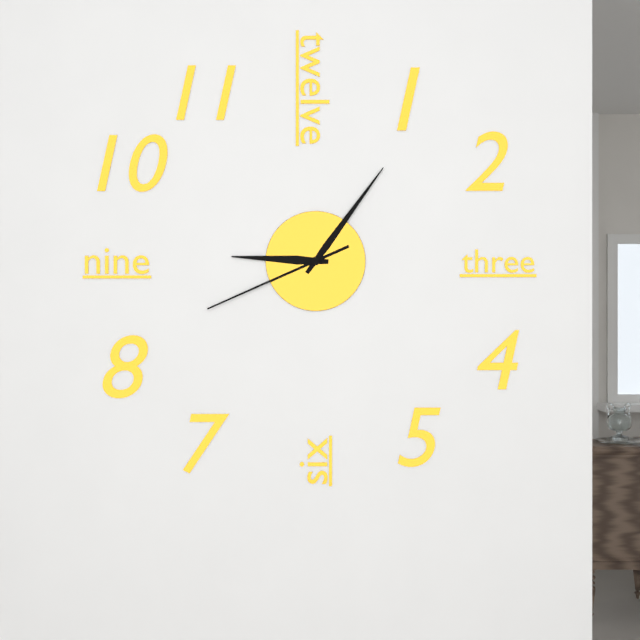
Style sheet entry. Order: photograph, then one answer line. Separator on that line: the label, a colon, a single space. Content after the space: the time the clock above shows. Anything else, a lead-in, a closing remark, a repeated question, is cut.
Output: 9:06:41
